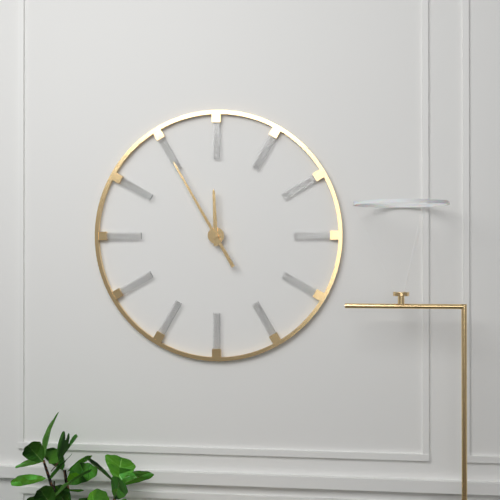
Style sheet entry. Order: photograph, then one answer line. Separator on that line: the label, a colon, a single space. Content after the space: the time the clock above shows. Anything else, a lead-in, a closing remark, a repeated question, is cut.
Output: 11:55
